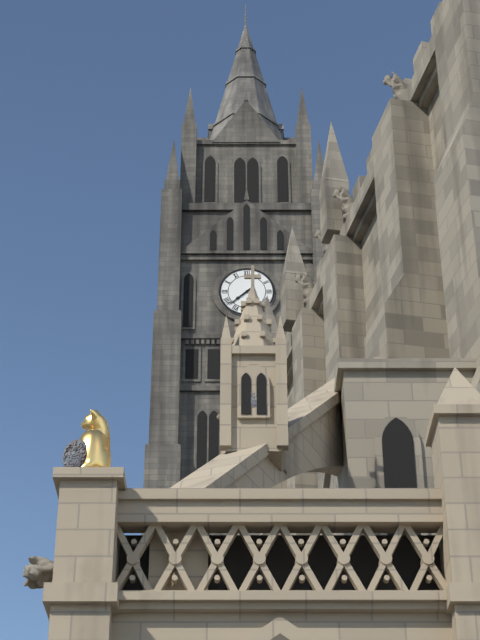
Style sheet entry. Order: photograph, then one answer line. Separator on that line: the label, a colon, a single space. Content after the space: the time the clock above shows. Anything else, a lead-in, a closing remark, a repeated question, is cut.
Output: 7:38
